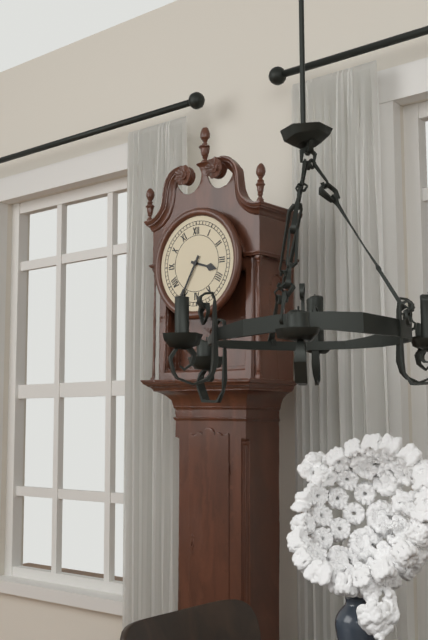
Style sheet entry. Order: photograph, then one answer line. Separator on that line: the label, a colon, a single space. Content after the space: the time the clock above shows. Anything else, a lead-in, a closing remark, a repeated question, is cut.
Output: 3:35
